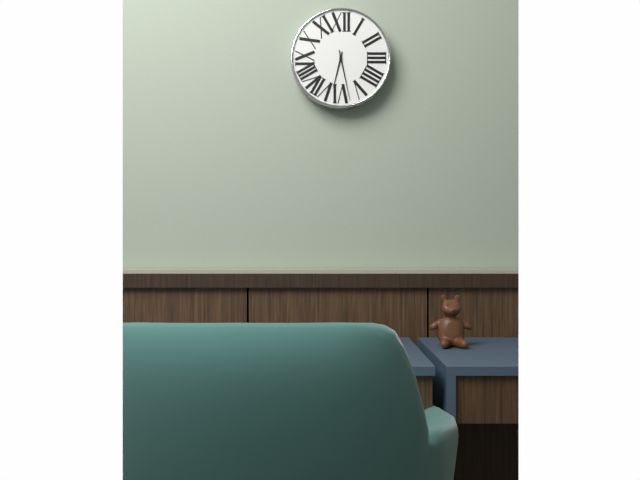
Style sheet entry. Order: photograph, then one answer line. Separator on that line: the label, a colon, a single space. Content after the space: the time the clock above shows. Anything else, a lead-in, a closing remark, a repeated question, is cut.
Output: 6:28
